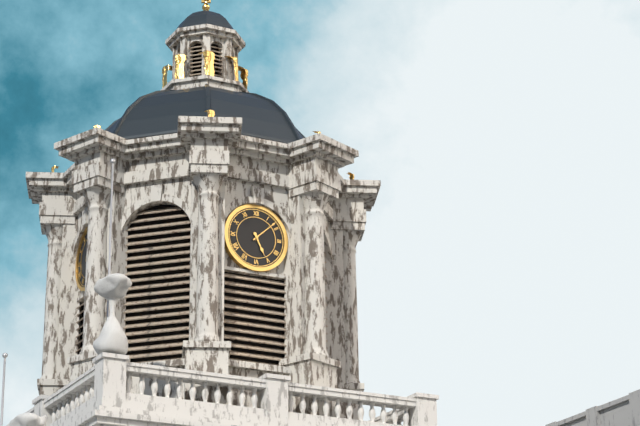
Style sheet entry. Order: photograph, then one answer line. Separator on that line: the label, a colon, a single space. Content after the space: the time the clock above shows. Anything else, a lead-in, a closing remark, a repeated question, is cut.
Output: 5:08
